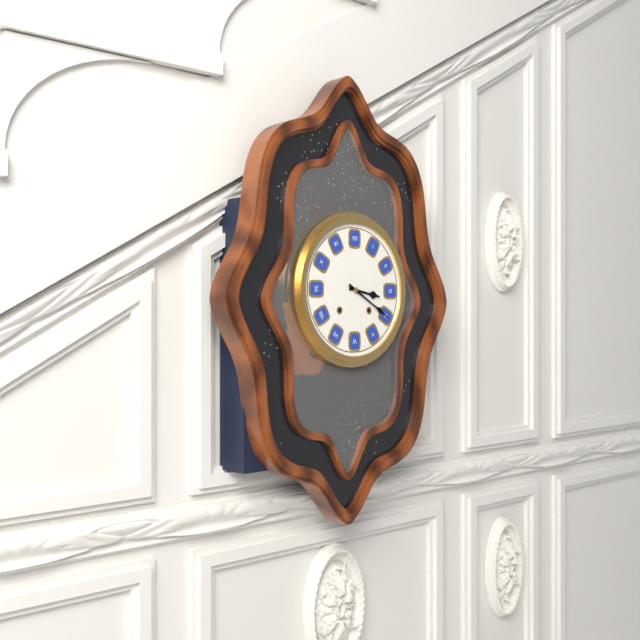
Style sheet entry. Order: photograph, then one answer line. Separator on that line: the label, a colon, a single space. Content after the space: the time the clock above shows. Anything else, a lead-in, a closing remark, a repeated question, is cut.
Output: 3:20
